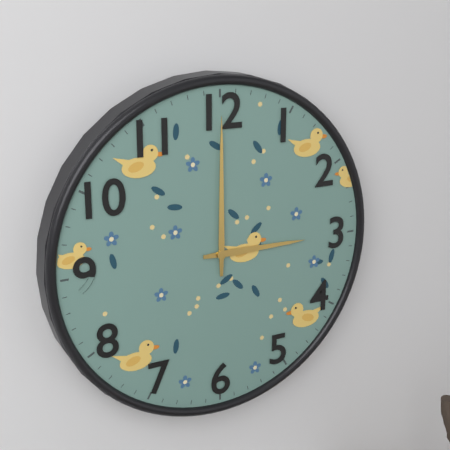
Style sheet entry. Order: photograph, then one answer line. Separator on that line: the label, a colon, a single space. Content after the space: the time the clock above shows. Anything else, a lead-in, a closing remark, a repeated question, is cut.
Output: 3:00
